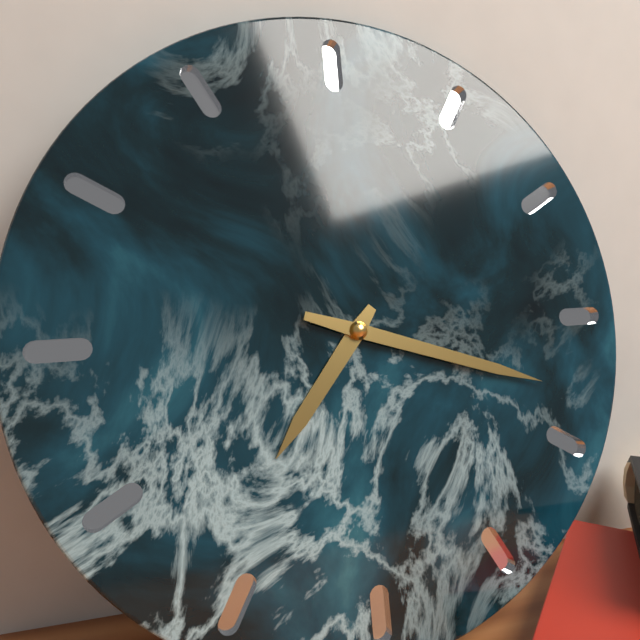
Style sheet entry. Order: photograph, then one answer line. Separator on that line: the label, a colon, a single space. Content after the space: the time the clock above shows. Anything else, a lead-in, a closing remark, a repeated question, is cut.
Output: 7:18
